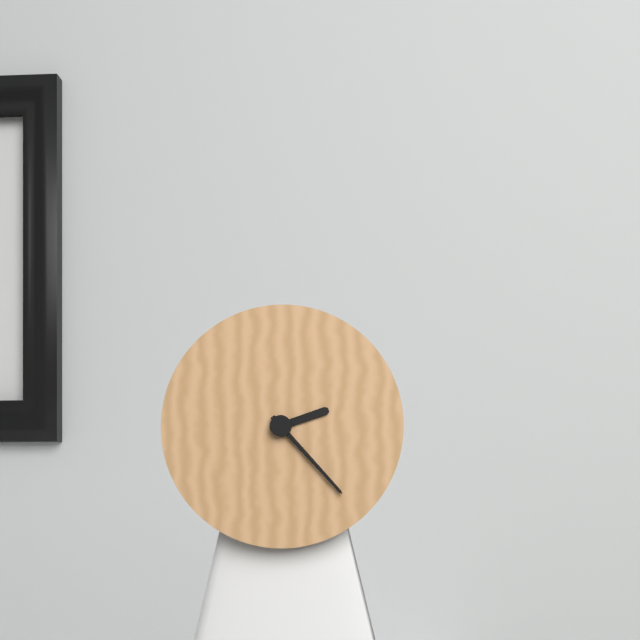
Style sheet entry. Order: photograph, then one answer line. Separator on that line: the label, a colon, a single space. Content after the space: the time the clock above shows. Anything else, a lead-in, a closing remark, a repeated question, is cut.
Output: 2:23
